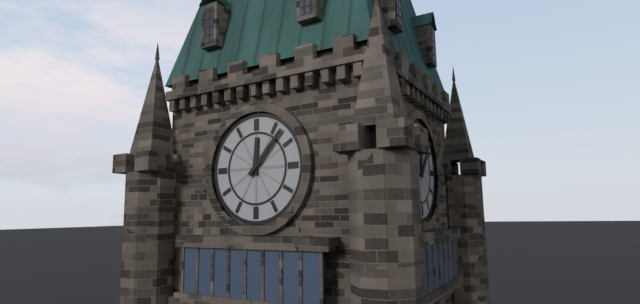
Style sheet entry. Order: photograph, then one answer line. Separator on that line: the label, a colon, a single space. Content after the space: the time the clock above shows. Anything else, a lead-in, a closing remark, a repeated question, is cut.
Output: 12:07
